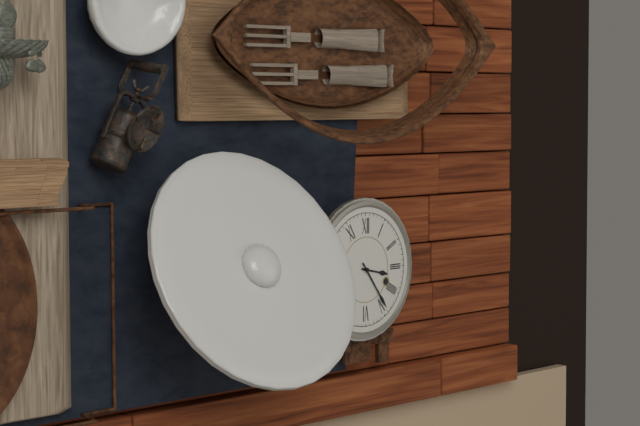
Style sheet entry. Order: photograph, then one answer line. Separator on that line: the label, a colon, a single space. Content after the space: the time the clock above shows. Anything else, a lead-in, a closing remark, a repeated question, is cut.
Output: 3:24
